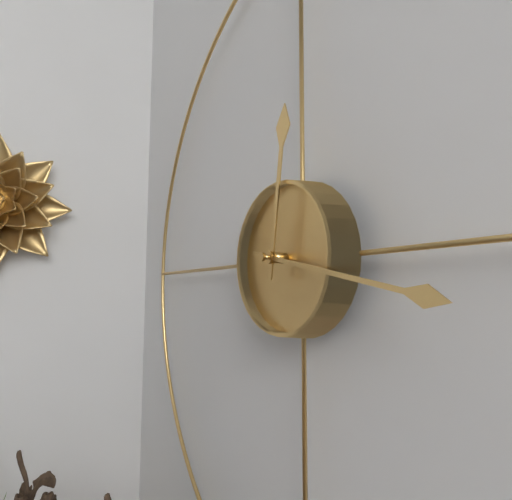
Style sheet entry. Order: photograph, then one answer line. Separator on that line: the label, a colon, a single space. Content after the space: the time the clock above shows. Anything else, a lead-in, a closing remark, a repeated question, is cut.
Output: 12:17
